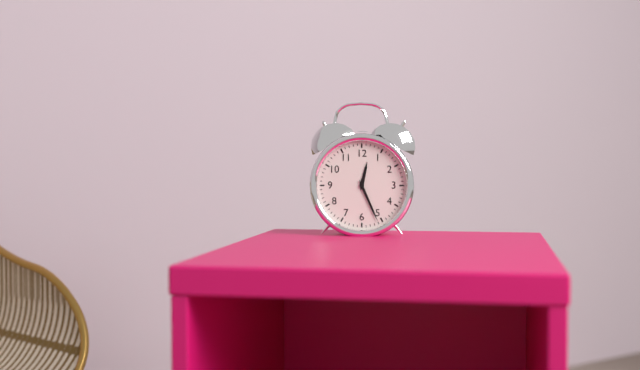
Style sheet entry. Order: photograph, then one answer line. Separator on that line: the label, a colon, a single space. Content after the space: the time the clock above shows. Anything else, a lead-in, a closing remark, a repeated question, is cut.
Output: 12:26
